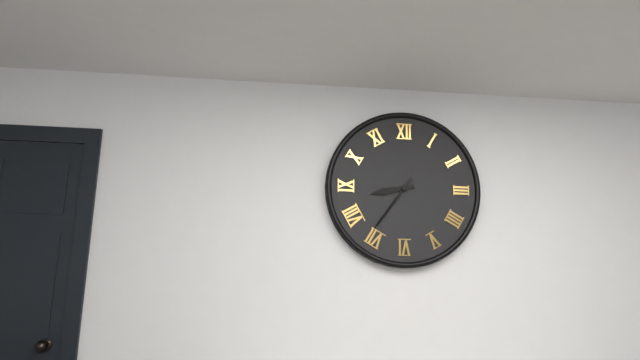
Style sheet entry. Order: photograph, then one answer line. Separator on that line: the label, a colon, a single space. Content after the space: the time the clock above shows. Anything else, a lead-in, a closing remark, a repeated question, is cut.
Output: 8:36
